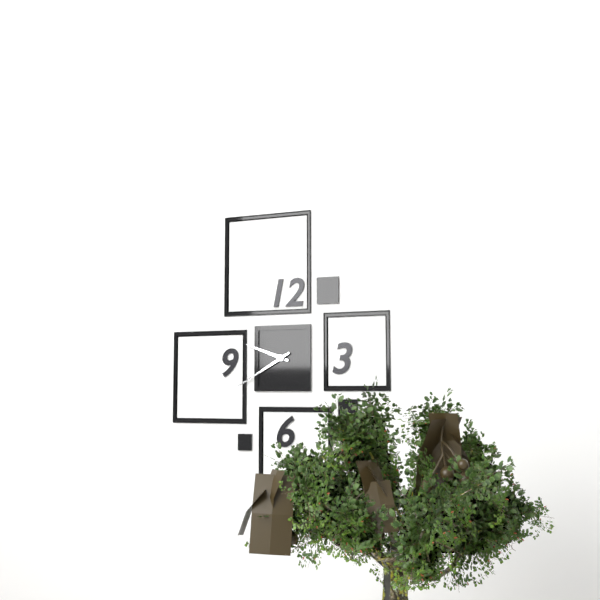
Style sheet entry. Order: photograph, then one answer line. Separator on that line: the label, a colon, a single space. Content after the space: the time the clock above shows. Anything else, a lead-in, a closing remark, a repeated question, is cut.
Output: 9:40
